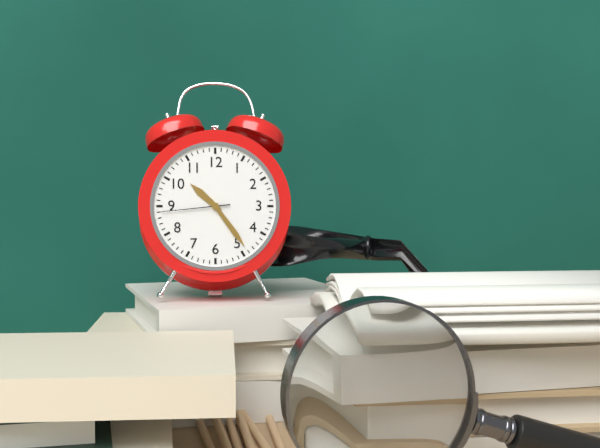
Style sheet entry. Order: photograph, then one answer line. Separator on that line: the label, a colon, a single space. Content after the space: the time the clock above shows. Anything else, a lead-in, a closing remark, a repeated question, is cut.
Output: 10:24:44
